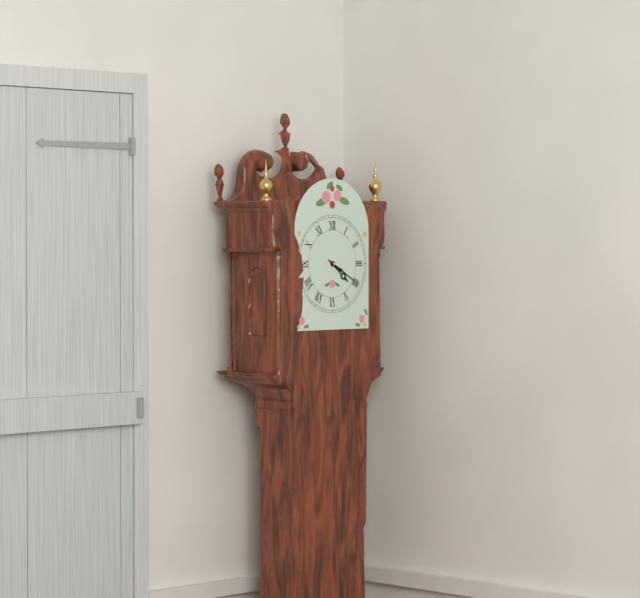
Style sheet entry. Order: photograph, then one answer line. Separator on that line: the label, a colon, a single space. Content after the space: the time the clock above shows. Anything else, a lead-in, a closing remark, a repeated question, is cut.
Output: 4:20
